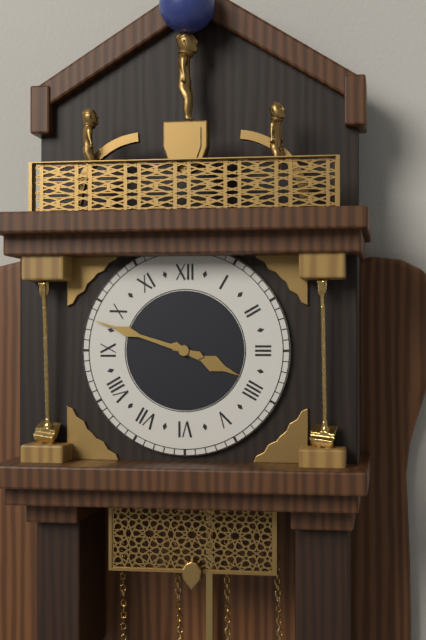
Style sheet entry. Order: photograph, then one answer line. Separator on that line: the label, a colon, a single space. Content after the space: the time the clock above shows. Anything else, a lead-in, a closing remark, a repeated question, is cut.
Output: 3:48
